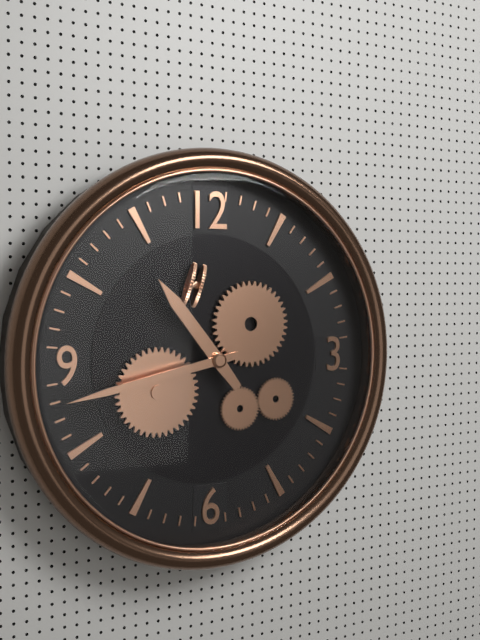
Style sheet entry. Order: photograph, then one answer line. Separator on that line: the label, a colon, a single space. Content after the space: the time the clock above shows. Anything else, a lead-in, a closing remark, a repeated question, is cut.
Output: 10:43
